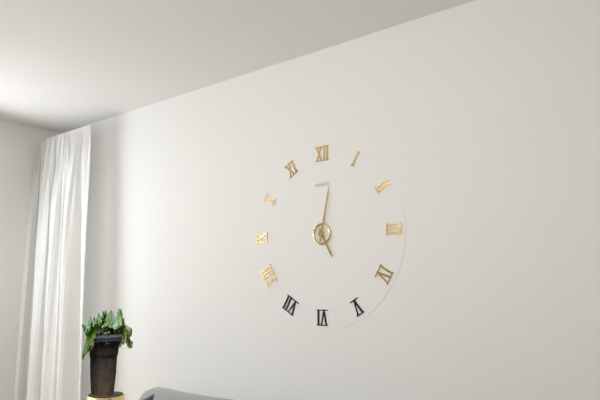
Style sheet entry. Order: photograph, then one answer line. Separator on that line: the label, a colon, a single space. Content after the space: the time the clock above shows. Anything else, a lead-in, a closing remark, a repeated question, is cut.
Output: 5:02
